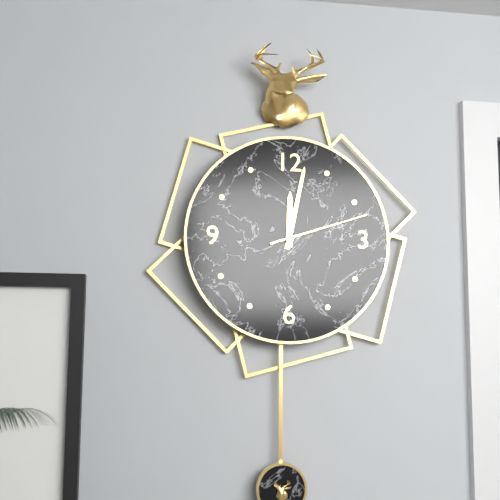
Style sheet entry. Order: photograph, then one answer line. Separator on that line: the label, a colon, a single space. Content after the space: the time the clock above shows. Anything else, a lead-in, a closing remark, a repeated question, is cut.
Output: 12:02:12
